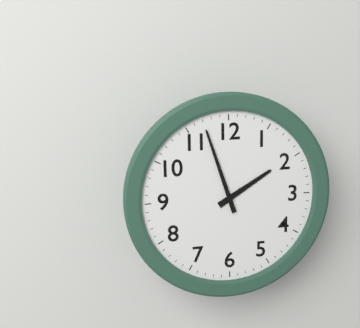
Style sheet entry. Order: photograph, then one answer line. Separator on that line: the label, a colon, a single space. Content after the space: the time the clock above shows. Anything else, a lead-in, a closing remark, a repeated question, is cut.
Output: 1:57
